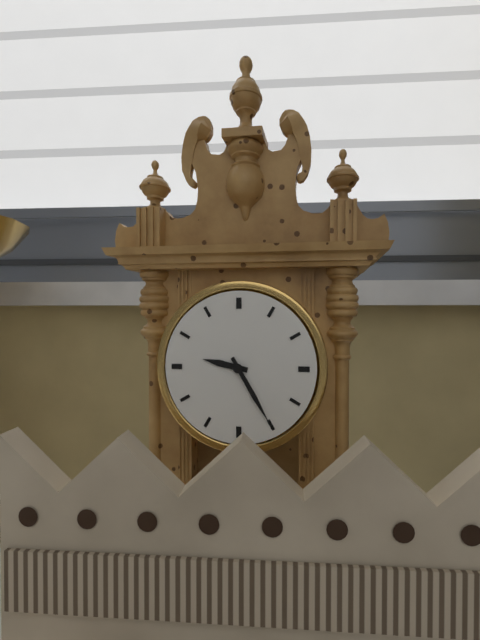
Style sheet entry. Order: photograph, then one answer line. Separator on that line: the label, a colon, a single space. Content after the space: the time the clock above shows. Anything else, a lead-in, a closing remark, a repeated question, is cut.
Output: 9:25
